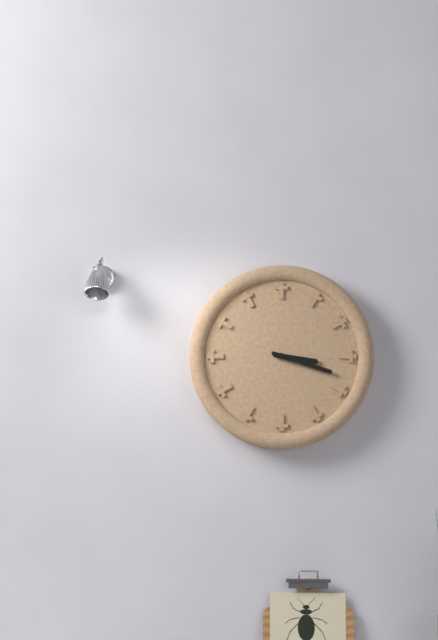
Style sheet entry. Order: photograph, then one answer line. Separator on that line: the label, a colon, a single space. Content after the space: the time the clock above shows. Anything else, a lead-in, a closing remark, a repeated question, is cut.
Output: 3:18
